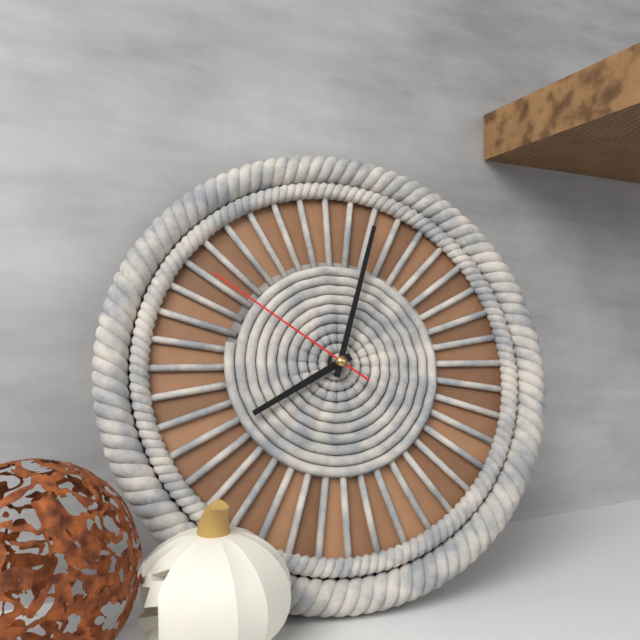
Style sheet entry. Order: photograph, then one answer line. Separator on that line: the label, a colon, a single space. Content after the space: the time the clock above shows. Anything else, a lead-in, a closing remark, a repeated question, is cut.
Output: 8:03:51
